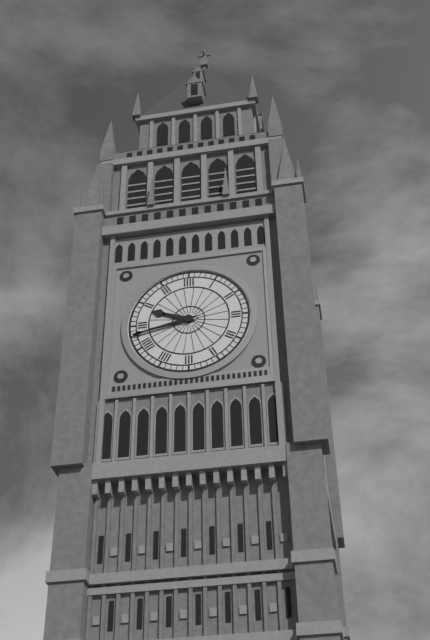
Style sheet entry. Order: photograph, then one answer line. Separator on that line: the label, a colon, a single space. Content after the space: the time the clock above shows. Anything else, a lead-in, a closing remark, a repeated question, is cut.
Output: 9:43
